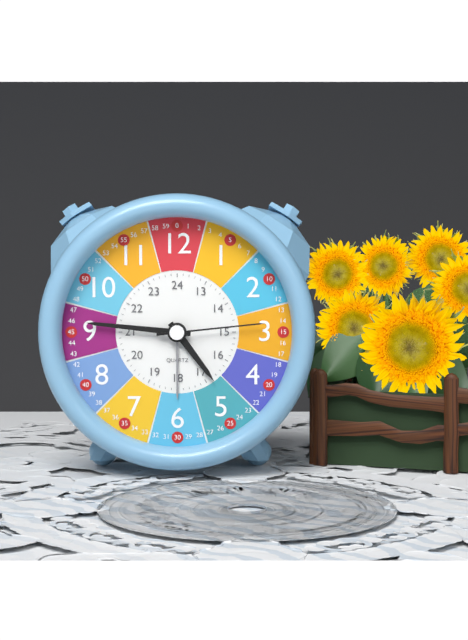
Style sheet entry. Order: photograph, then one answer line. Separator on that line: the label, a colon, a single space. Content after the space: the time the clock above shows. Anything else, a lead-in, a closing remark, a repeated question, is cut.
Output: 4:46:14
